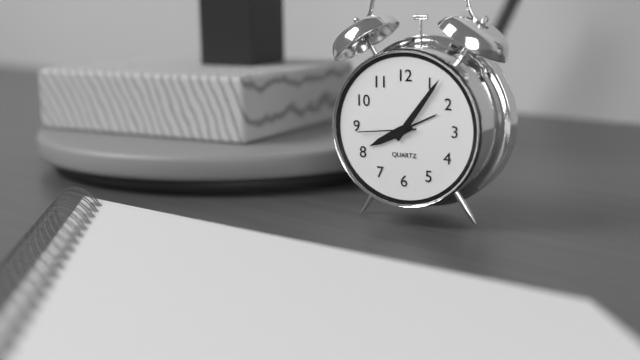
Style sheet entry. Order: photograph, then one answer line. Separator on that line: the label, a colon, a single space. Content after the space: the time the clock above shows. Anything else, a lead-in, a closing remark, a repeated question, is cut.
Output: 8:06:44
